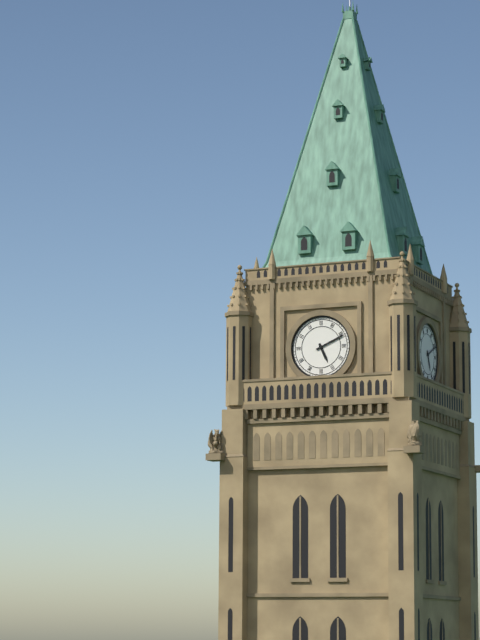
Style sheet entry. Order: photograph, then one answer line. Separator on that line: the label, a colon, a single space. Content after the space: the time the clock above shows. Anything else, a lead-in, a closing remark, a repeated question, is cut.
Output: 5:11
